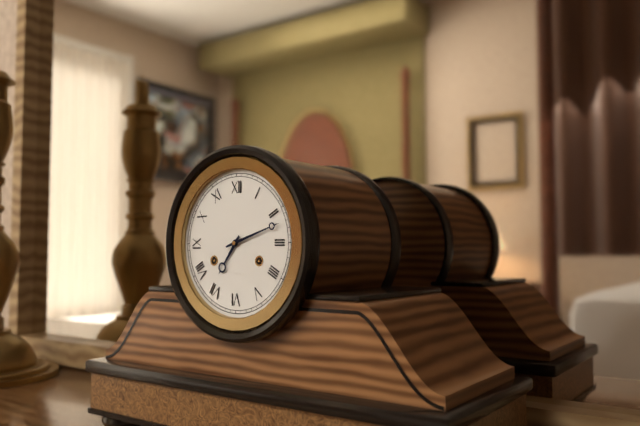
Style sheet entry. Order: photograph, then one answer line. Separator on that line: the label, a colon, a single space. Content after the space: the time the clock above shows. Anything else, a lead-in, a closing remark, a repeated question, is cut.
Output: 7:12
